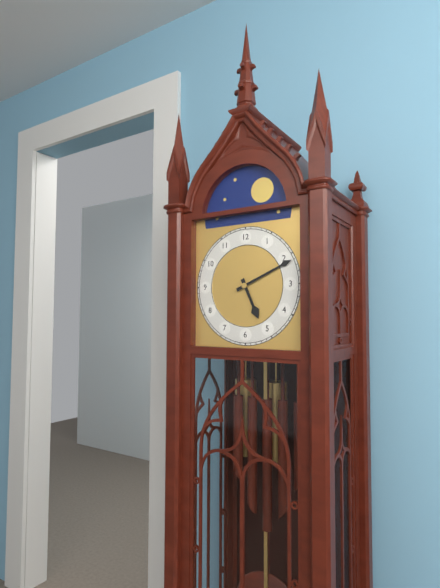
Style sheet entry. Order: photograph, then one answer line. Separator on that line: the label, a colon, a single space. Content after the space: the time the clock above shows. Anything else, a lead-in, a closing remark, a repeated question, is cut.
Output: 5:11
